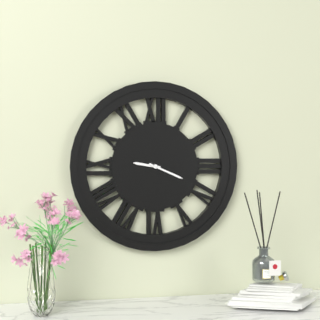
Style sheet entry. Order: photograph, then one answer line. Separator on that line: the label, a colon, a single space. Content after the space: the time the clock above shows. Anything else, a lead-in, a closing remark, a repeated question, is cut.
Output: 9:19
